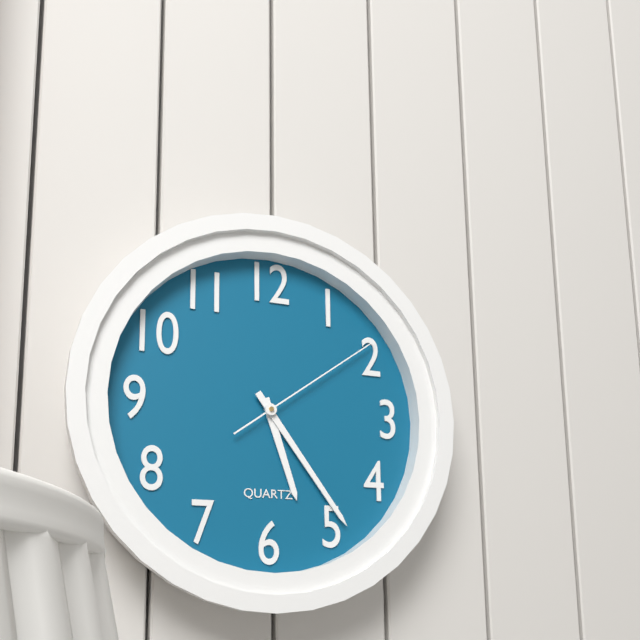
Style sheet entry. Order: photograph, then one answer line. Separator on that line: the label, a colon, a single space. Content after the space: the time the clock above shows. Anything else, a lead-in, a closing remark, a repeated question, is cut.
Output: 5:24:09
